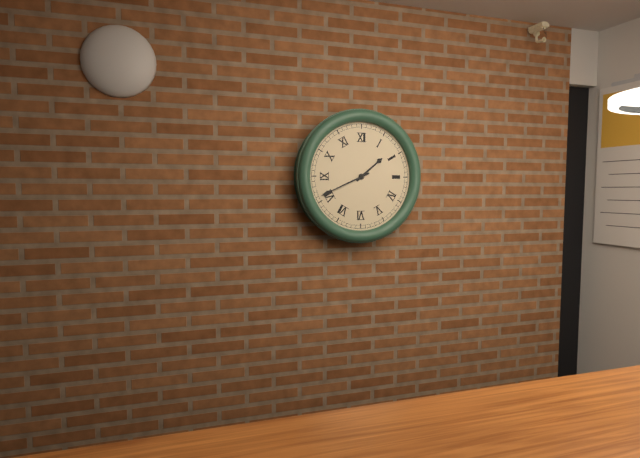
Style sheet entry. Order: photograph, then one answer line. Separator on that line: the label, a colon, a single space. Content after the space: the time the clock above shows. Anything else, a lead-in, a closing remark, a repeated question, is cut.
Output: 1:41
